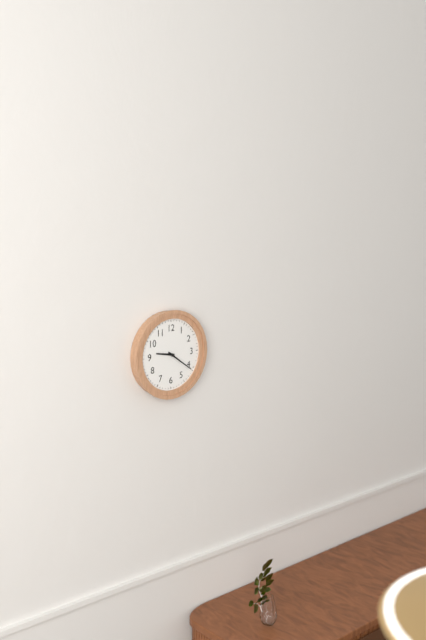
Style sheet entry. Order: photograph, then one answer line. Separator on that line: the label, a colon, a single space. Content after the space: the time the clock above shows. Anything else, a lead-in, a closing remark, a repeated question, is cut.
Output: 9:21
